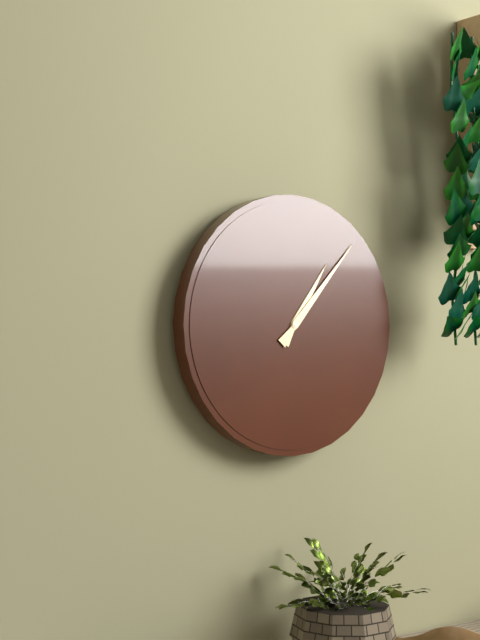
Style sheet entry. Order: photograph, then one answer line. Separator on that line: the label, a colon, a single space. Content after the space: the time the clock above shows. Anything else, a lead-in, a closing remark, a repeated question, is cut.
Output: 1:07
